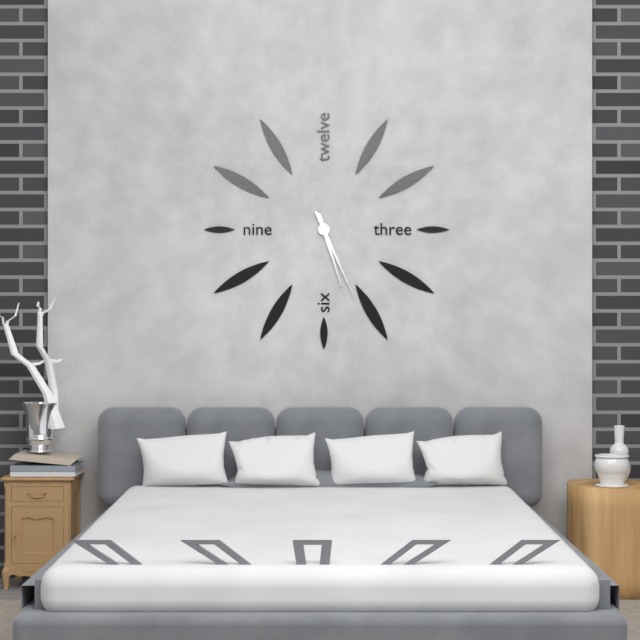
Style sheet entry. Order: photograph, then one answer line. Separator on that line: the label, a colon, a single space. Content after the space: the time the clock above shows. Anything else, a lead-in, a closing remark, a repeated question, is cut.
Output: 5:26
